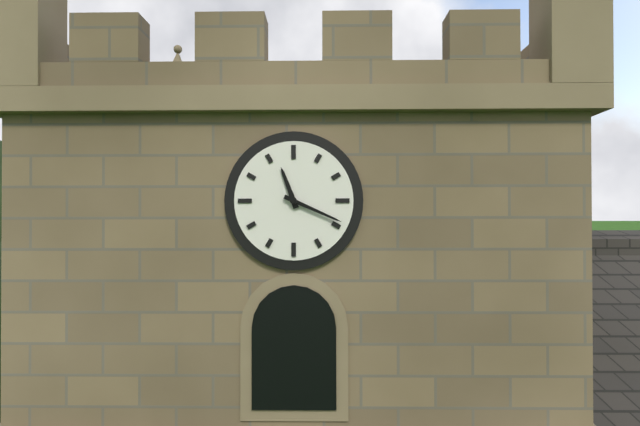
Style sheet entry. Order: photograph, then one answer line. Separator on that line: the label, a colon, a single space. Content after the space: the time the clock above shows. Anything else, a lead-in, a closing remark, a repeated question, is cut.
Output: 11:19
